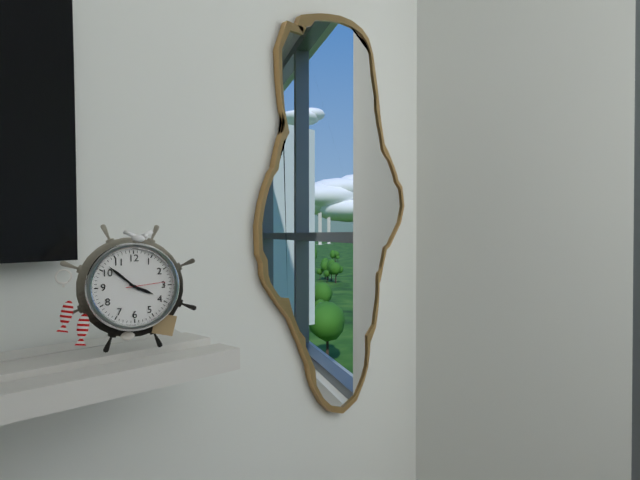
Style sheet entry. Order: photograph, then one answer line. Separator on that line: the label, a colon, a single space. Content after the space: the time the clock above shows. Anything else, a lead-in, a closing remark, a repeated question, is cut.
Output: 3:52
